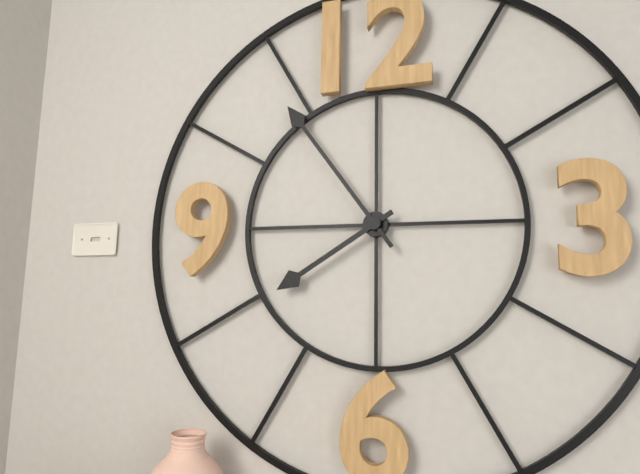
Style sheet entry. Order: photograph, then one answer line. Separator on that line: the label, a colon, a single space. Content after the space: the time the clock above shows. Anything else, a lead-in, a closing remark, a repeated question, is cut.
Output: 7:54
